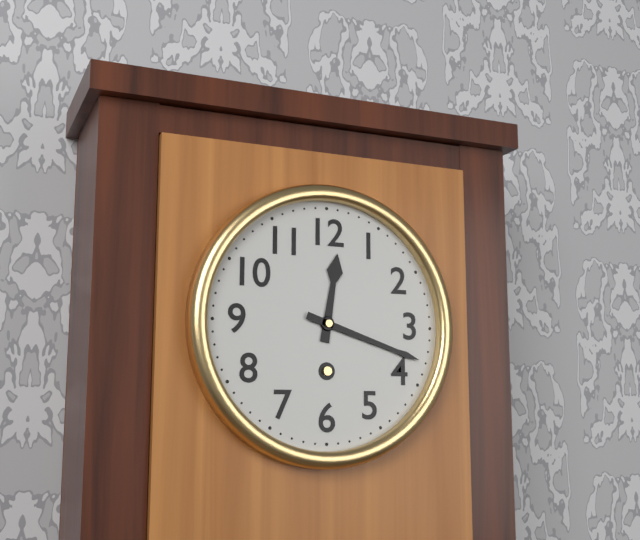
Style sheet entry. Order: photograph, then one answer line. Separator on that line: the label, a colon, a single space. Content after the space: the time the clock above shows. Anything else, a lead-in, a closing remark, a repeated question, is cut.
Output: 12:18
